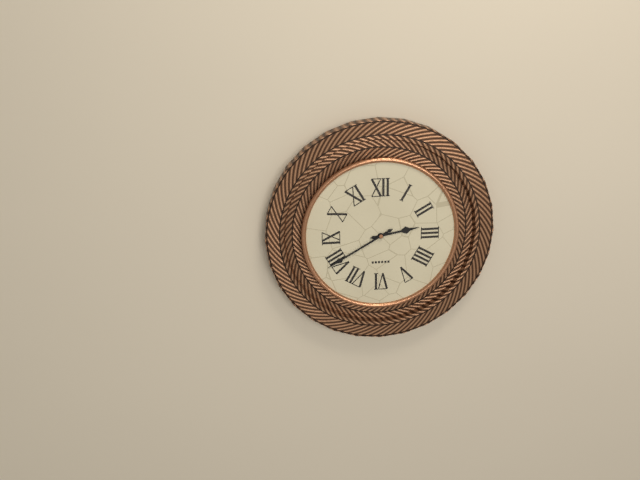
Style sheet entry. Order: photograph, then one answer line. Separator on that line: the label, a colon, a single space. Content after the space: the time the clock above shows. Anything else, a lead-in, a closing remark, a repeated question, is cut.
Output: 2:40
